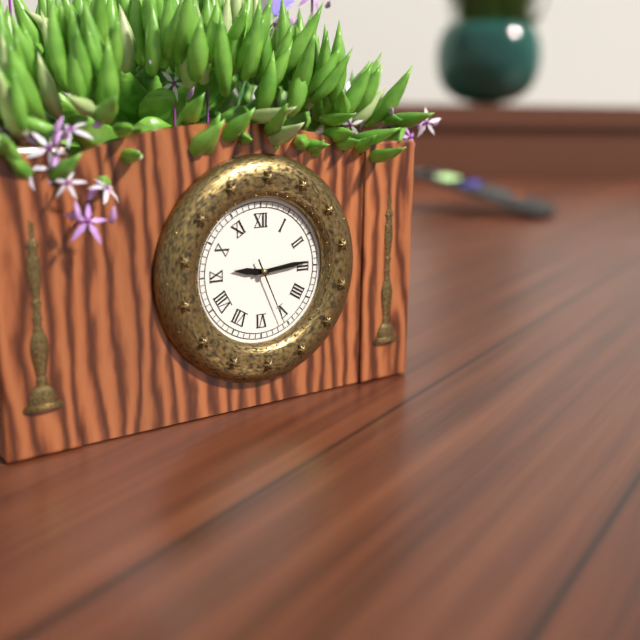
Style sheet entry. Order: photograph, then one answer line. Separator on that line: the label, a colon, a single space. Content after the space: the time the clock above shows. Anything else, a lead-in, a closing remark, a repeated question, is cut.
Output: 9:14:26
